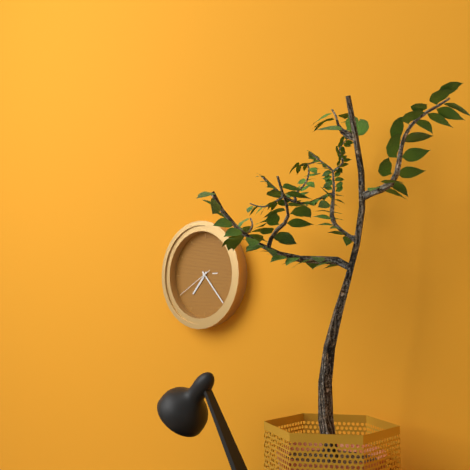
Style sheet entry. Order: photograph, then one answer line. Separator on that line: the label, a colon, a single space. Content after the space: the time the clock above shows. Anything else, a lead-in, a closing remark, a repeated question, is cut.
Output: 7:23
